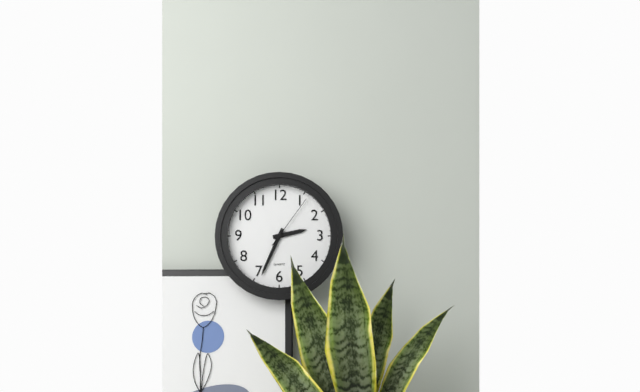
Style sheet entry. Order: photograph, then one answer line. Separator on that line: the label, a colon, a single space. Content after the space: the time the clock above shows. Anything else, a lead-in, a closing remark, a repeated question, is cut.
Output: 2:34:06
